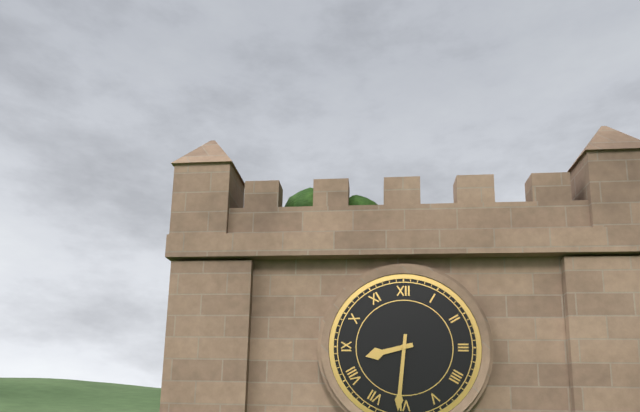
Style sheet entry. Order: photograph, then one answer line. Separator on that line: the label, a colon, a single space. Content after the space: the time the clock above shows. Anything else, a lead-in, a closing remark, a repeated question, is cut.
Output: 8:31
